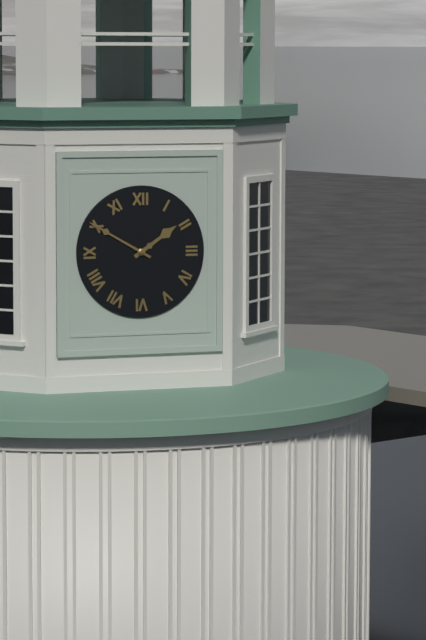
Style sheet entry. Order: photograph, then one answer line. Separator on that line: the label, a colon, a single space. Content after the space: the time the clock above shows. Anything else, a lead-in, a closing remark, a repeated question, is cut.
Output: 1:50
